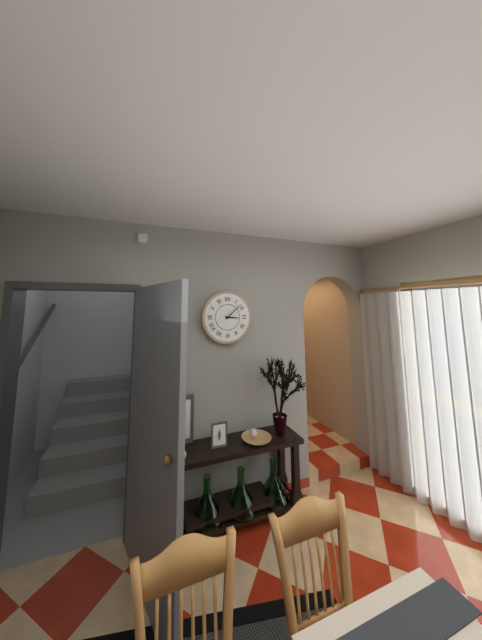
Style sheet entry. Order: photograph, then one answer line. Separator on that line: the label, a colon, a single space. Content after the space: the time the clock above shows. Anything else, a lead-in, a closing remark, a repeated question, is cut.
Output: 3:08
